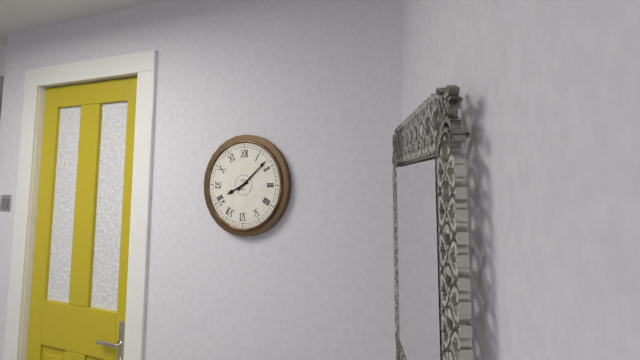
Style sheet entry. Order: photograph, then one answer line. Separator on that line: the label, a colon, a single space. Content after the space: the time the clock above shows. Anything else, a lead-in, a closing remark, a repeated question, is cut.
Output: 8:08
